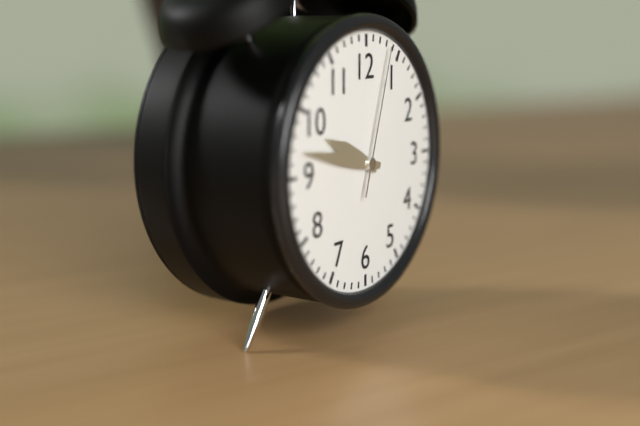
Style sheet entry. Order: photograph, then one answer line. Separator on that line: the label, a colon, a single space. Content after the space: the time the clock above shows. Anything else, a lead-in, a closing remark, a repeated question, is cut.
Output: 9:47:03
